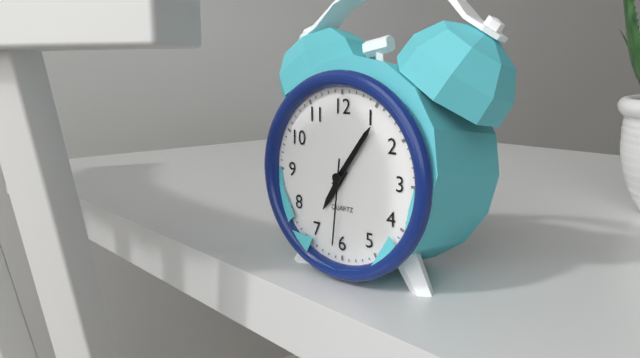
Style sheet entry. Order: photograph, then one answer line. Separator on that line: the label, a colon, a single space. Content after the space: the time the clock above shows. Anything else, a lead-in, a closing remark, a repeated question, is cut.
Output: 7:06:31
